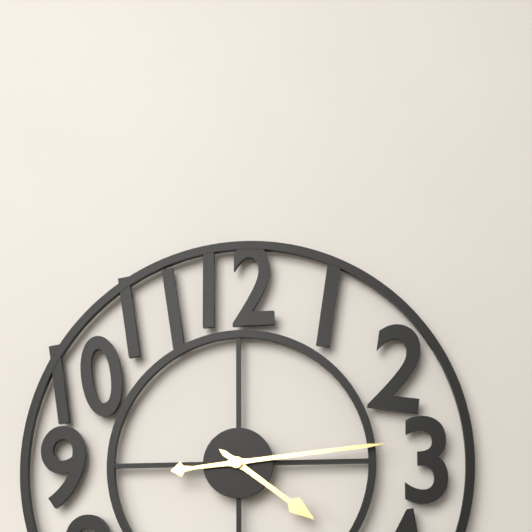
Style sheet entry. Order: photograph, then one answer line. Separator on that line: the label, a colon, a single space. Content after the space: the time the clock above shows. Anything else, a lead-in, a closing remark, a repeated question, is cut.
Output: 4:14
